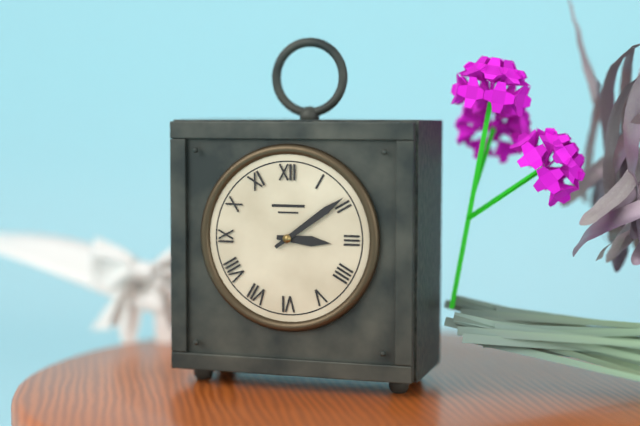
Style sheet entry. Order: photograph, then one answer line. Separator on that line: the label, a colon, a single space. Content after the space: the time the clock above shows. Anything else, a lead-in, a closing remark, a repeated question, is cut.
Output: 3:09
